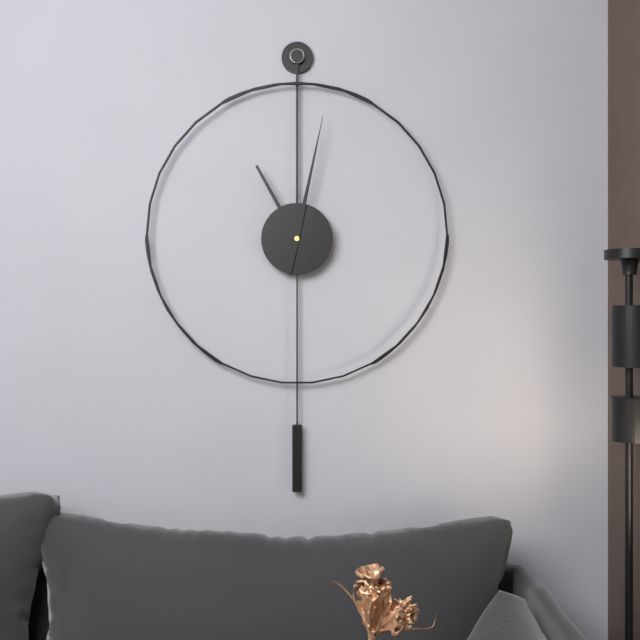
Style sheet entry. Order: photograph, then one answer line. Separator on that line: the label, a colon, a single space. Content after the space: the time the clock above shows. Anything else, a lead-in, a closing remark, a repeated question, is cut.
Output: 11:02
